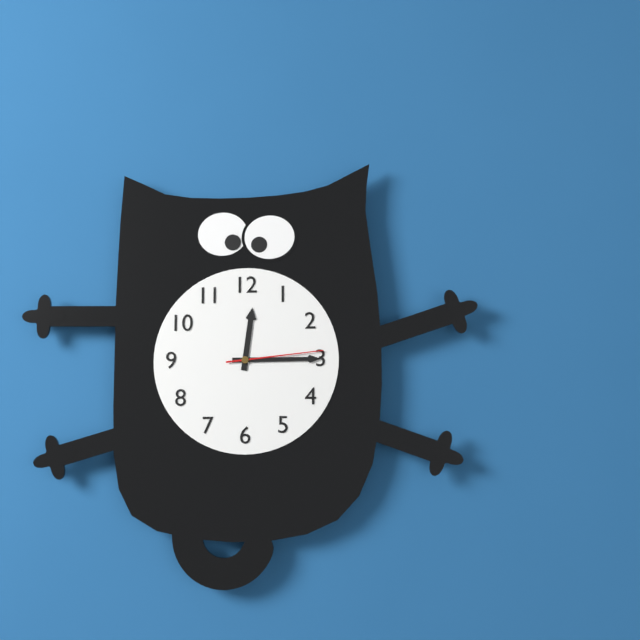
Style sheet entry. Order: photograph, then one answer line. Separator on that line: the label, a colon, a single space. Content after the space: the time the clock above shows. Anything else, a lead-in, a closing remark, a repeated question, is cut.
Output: 12:15:14
